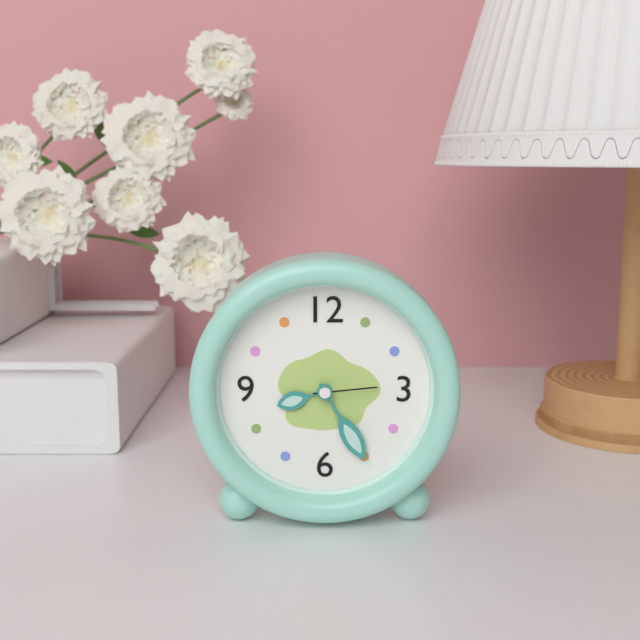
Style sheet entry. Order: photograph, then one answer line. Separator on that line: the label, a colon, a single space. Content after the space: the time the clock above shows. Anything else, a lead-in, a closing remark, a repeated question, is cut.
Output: 8:25:14
